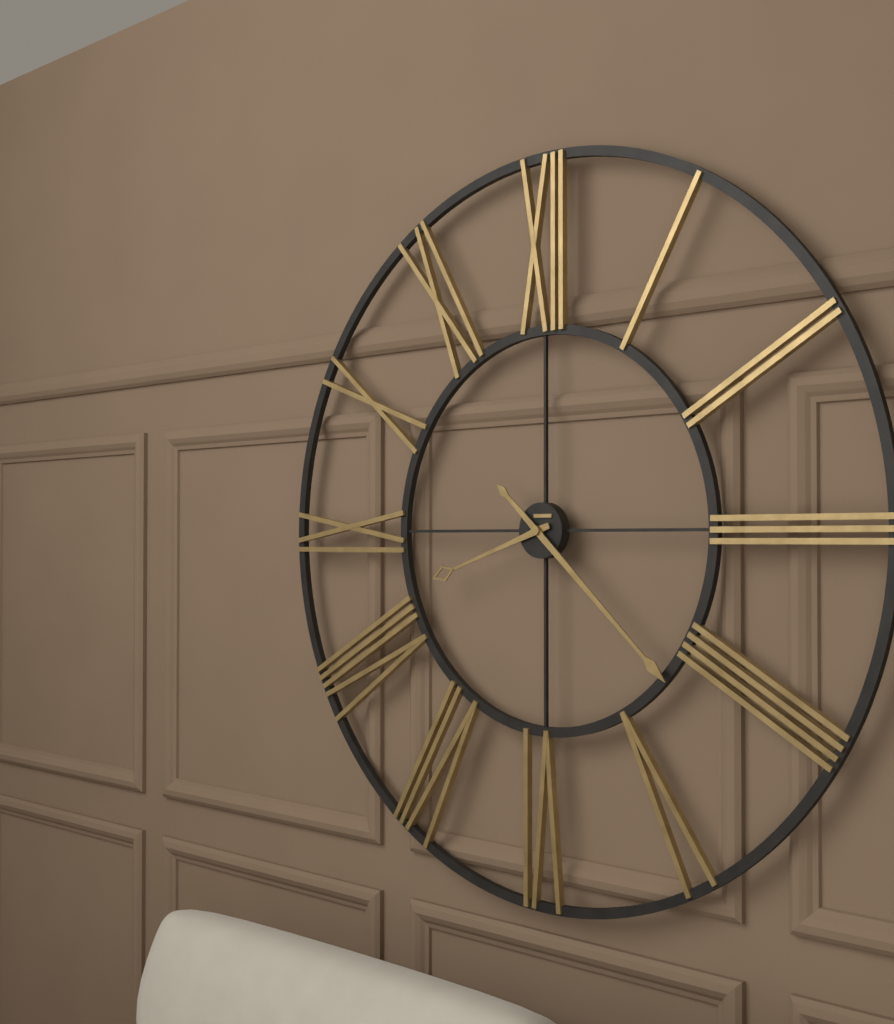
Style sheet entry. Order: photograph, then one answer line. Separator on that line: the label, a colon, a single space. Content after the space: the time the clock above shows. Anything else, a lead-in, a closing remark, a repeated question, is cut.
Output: 8:22
